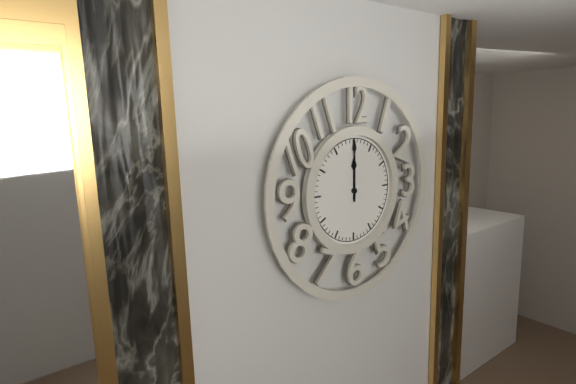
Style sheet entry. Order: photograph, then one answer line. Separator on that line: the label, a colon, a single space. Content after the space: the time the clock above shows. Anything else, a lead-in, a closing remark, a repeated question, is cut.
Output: 12:00
